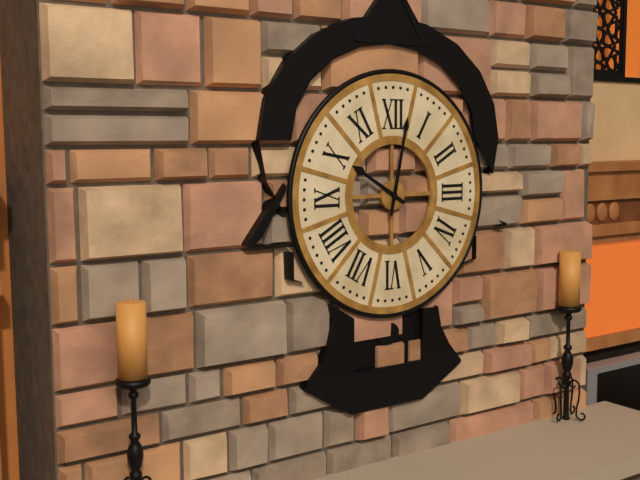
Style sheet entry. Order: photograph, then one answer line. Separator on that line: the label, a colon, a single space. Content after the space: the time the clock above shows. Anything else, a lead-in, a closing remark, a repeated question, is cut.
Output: 10:02
